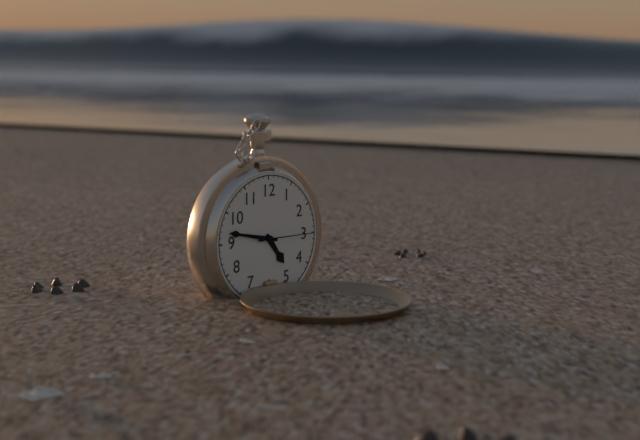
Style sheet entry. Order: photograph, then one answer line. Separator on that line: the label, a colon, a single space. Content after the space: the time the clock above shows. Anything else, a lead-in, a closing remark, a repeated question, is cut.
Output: 4:47:15
